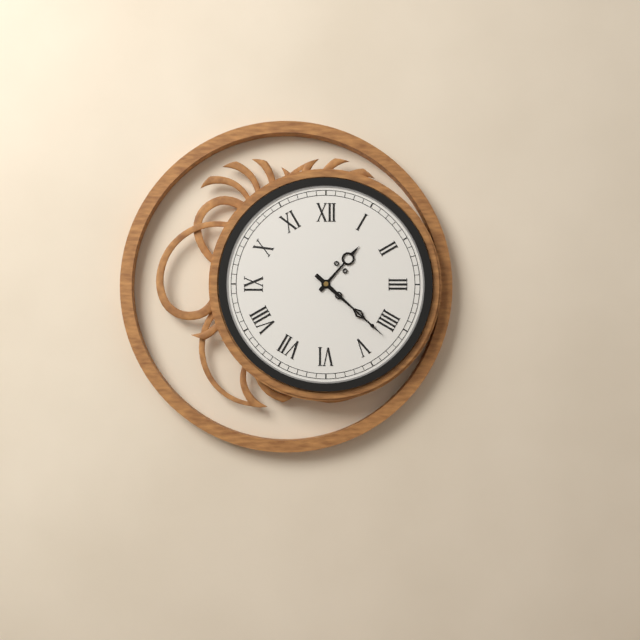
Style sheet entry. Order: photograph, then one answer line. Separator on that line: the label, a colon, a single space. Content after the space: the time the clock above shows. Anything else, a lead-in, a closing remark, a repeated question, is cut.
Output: 1:22
